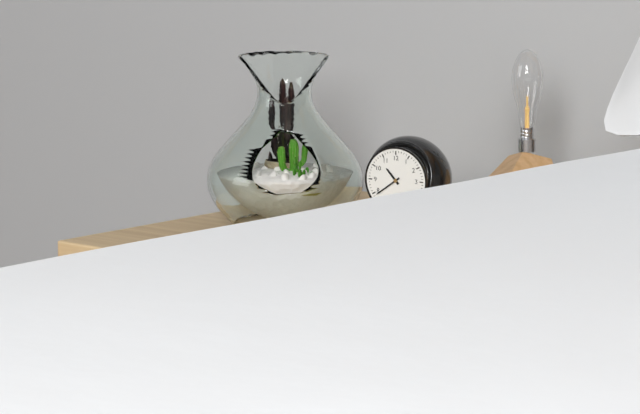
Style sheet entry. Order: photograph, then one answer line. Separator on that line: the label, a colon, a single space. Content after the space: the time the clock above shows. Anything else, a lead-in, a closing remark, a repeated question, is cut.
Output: 10:39
